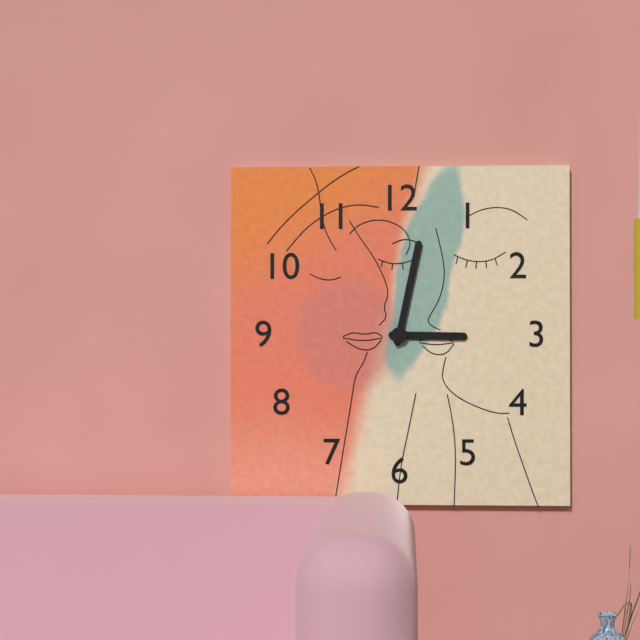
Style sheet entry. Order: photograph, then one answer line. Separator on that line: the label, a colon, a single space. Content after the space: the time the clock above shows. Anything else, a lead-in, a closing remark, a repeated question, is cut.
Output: 3:02
